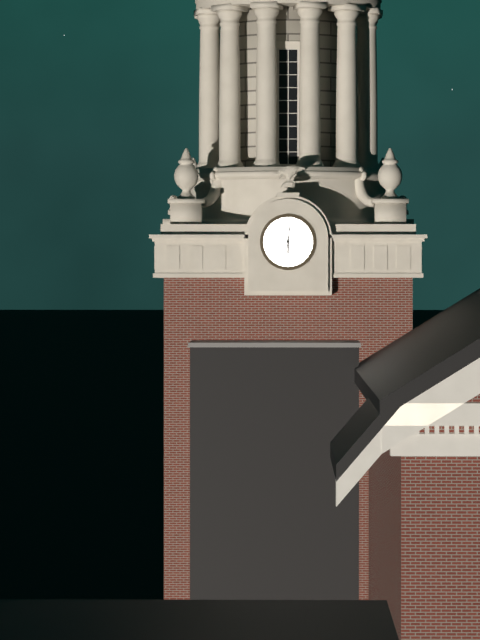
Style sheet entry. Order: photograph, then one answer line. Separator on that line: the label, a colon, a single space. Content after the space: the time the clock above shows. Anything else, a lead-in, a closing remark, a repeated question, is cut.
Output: 6:01
